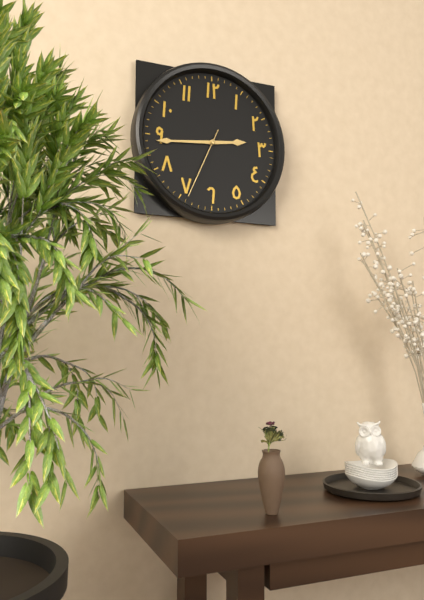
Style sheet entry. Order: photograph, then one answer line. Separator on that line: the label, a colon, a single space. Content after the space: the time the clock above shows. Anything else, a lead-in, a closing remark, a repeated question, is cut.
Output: 2:44:34
